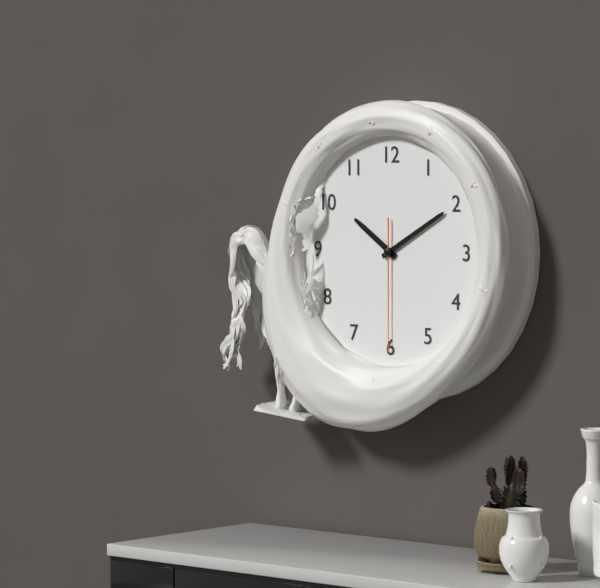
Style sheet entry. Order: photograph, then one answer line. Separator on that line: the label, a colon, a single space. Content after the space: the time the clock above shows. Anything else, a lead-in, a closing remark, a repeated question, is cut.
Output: 10:10:30
